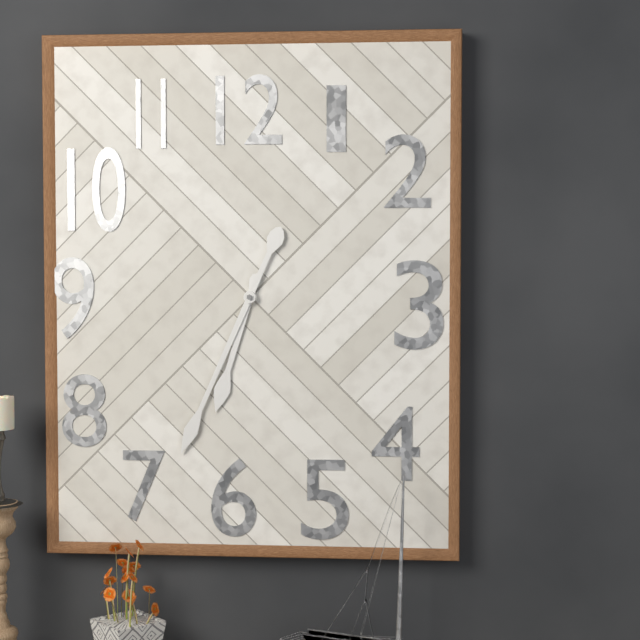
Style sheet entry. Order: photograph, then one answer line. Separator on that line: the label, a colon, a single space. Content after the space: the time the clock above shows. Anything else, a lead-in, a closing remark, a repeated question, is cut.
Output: 6:34
